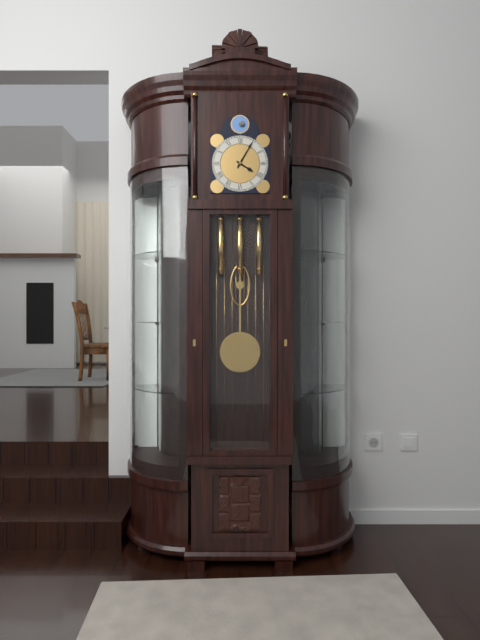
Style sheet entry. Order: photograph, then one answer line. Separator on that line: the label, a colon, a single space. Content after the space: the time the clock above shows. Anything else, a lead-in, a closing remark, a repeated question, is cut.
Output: 4:05
